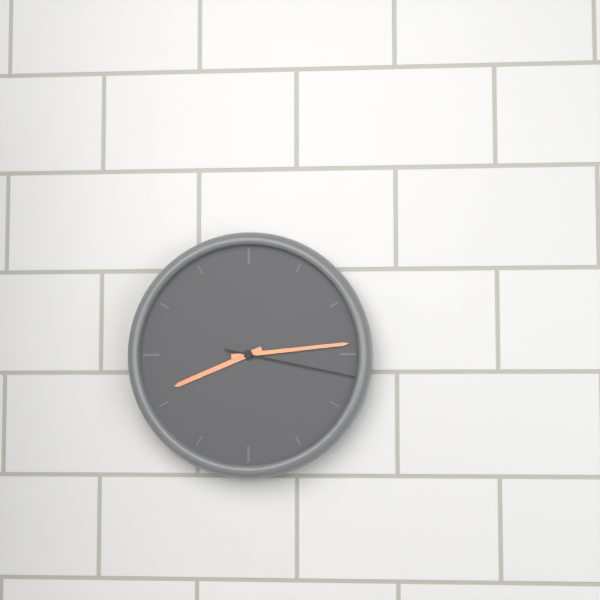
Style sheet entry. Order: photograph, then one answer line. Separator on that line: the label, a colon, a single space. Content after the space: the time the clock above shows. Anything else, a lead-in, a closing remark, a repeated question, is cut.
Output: 8:14:17
